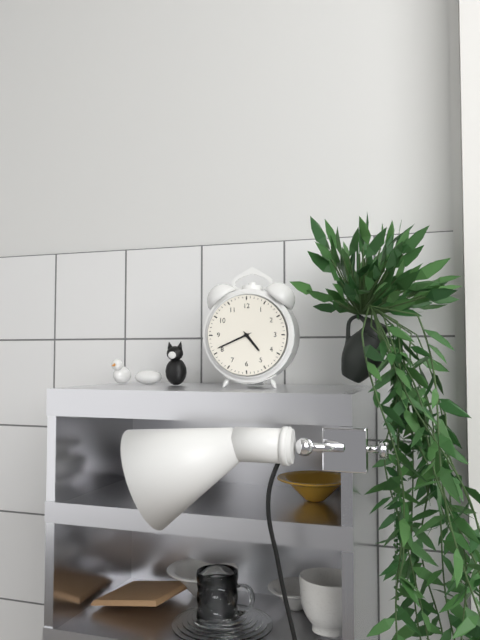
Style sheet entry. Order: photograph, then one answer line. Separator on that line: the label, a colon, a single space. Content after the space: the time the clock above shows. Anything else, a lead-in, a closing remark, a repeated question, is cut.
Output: 4:41
